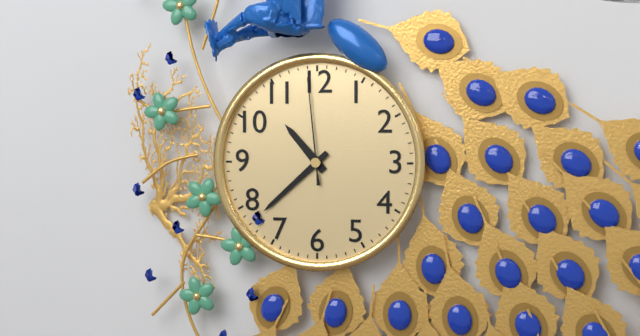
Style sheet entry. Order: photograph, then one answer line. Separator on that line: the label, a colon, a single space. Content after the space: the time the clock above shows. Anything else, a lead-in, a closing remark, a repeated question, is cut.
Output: 10:38:59
